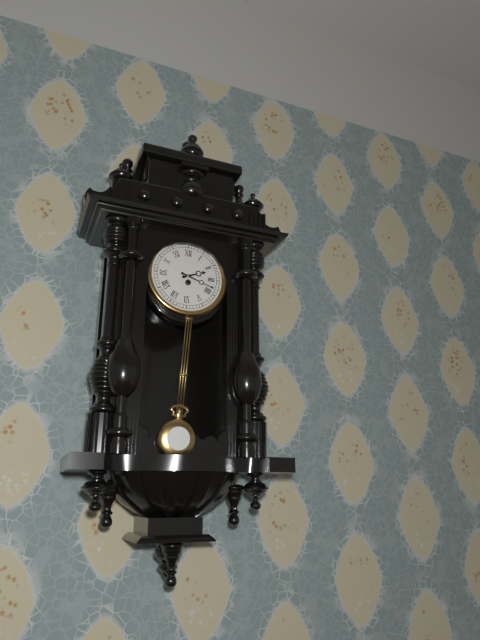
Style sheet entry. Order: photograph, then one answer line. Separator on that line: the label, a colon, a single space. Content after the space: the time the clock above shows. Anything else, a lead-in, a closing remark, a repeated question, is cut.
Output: 2:18
